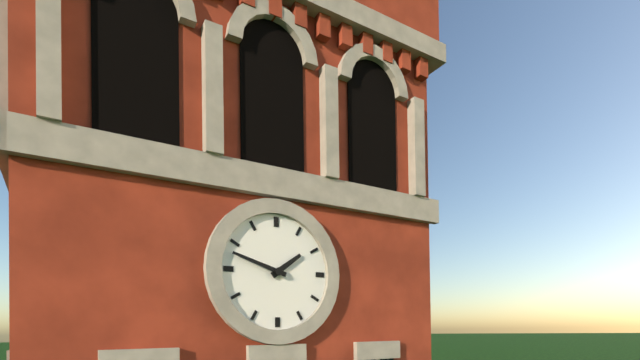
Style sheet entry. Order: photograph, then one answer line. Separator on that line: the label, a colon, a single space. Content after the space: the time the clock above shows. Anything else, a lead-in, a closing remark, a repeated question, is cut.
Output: 1:48
